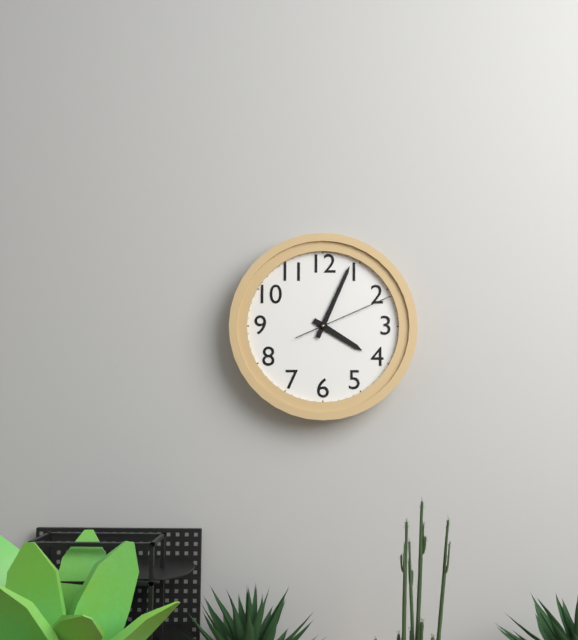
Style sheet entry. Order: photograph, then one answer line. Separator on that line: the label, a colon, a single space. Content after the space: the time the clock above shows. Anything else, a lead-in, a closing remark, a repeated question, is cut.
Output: 4:04:11
